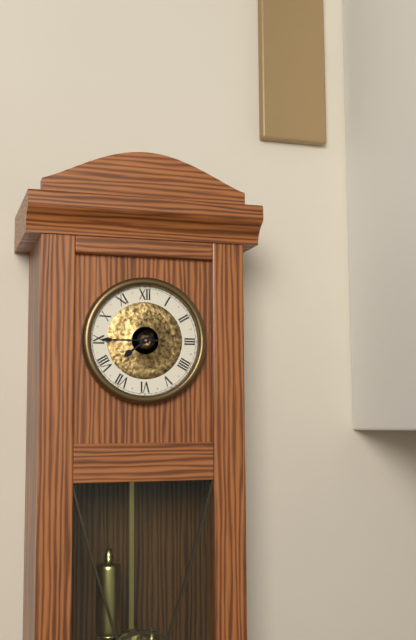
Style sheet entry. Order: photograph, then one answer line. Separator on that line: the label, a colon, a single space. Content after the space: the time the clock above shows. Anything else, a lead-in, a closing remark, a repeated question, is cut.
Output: 7:45
